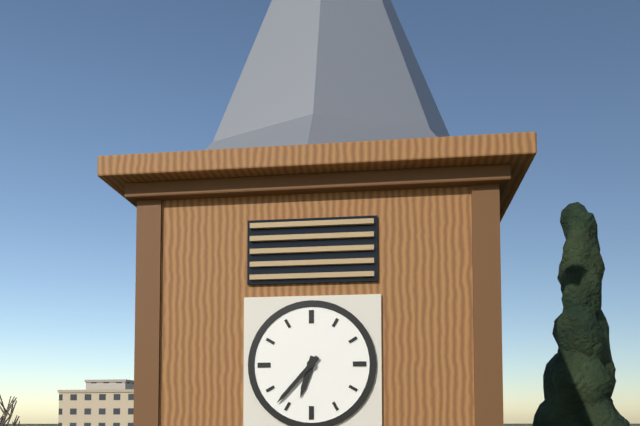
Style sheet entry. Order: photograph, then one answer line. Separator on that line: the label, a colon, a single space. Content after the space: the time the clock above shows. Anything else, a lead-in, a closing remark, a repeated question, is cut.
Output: 6:37
